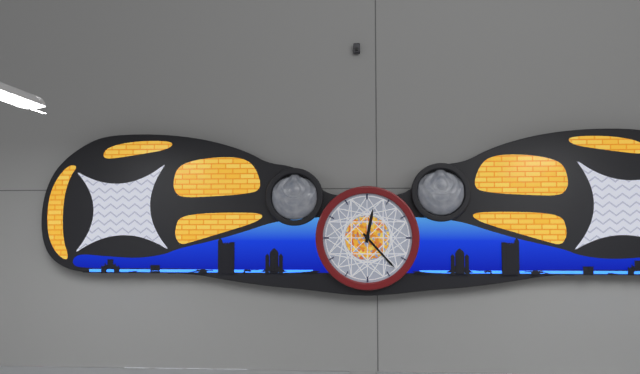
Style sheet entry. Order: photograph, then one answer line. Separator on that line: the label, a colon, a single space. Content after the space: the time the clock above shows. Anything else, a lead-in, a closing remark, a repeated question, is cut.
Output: 12:23
